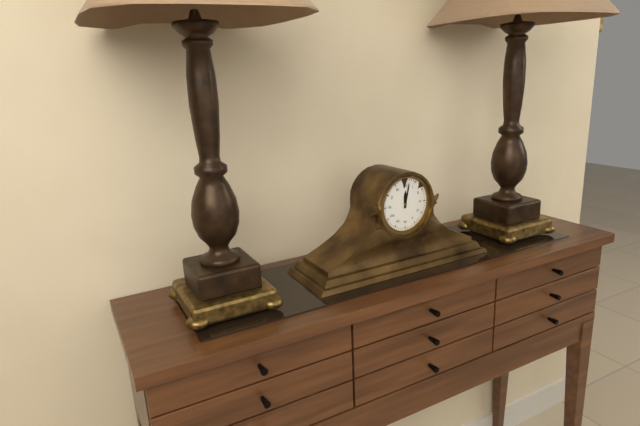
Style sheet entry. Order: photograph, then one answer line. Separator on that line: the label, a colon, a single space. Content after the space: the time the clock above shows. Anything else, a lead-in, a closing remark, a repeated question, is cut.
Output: 12:02
